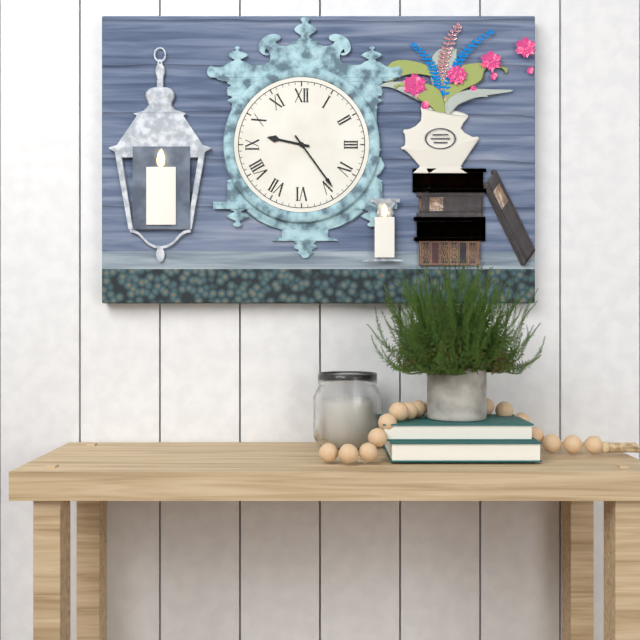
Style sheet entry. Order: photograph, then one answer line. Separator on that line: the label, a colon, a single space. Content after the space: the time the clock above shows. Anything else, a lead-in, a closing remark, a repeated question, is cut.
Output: 9:24
